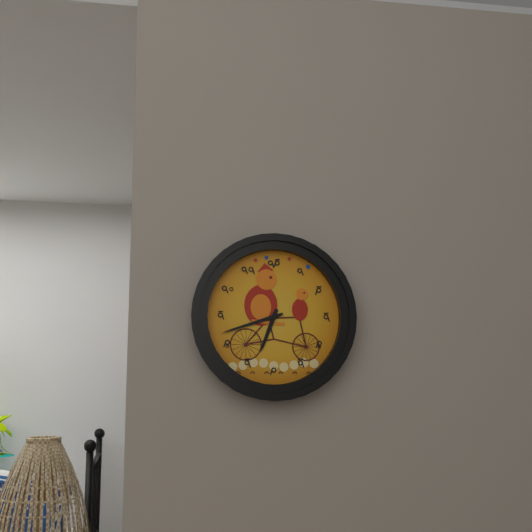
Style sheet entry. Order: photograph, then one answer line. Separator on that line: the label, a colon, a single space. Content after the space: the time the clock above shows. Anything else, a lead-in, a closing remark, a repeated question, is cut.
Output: 6:42
